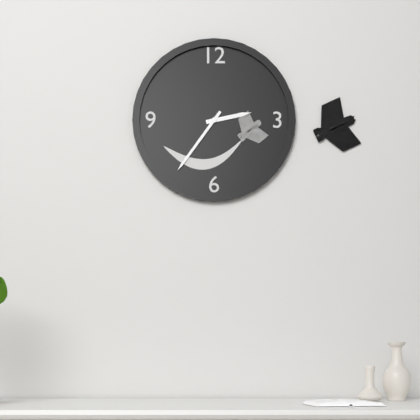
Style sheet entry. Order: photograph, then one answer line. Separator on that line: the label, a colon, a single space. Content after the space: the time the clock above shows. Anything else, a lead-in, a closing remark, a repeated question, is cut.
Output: 2:36
